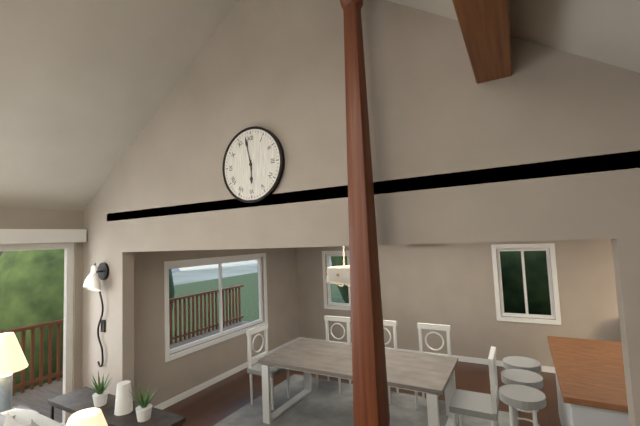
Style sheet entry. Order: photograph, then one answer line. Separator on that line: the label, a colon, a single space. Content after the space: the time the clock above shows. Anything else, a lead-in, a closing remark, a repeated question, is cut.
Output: 5:58
